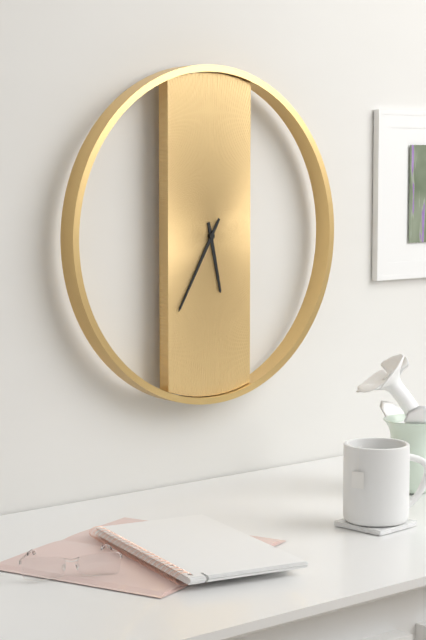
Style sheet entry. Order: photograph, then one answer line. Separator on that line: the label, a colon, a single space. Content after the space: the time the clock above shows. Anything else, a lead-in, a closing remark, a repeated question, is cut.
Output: 5:35
